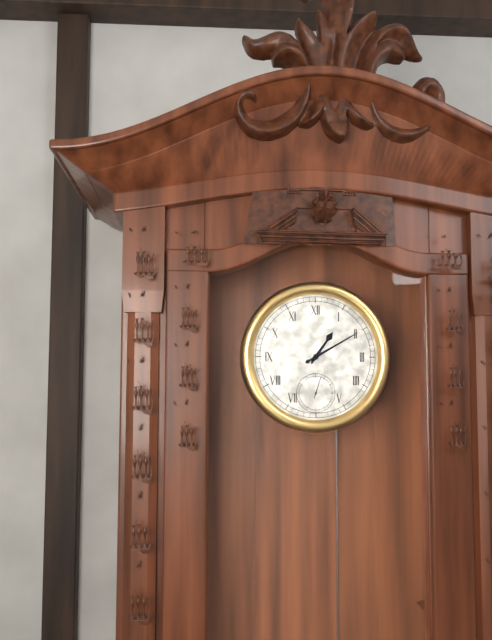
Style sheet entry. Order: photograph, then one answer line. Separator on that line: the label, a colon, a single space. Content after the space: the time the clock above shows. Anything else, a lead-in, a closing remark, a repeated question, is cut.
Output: 1:10
